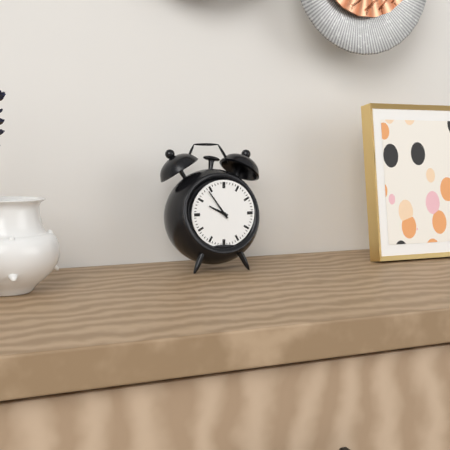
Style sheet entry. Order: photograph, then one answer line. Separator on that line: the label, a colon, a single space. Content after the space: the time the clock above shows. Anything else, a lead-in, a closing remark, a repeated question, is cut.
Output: 9:54
